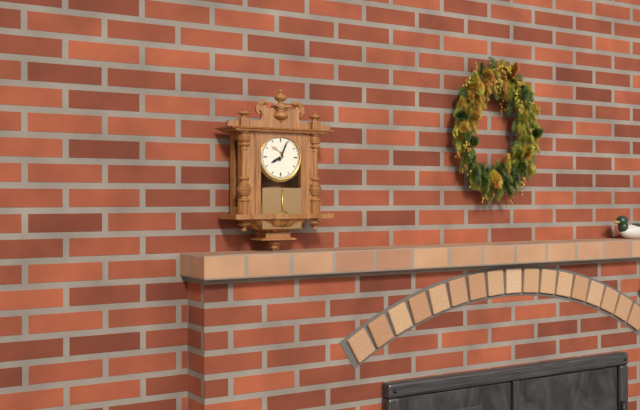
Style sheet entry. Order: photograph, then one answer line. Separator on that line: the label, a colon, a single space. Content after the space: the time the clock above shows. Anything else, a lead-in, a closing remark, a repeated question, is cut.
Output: 8:04
